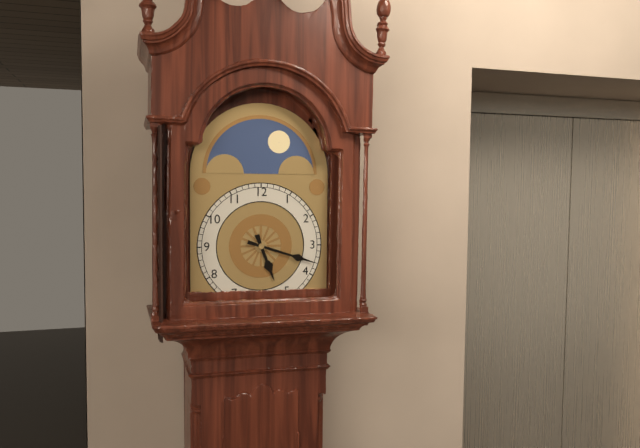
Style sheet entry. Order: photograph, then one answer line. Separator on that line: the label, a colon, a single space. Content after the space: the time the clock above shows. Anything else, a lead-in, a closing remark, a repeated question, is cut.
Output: 5:18
